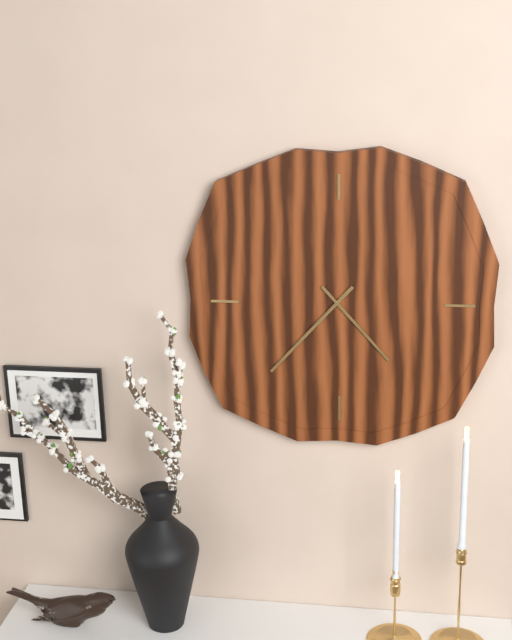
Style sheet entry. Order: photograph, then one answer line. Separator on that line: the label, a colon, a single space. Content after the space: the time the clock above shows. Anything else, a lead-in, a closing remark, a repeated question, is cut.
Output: 4:37
